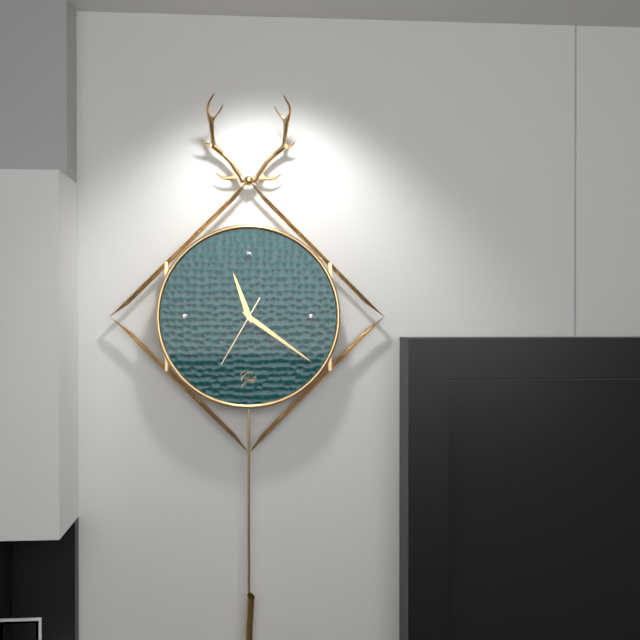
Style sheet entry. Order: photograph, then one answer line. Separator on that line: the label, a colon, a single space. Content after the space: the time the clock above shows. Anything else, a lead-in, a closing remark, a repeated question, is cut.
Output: 11:21:35
